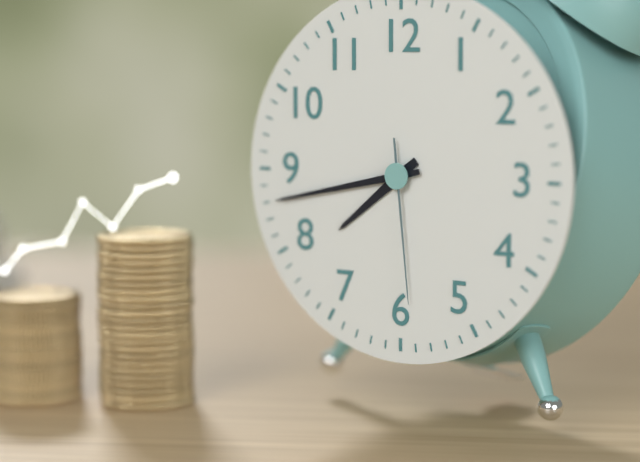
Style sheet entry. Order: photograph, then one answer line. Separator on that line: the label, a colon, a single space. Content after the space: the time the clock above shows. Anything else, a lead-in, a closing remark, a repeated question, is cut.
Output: 7:43:29
